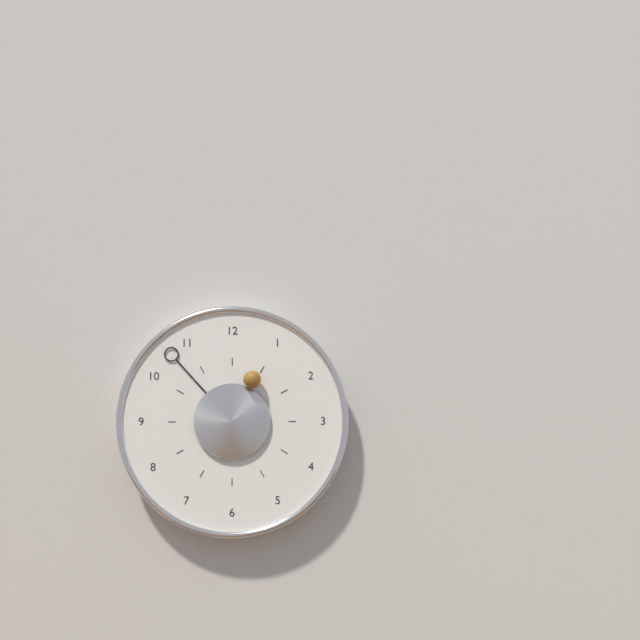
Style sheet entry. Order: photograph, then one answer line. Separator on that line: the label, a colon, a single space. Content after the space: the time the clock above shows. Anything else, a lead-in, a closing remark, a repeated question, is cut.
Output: 12:53
